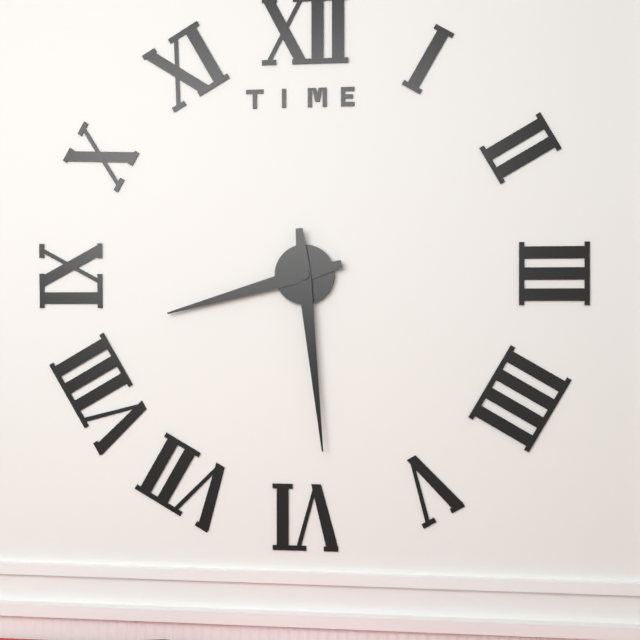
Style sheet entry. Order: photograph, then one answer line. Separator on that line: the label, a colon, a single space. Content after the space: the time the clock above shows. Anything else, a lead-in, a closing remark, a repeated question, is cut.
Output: 8:29
